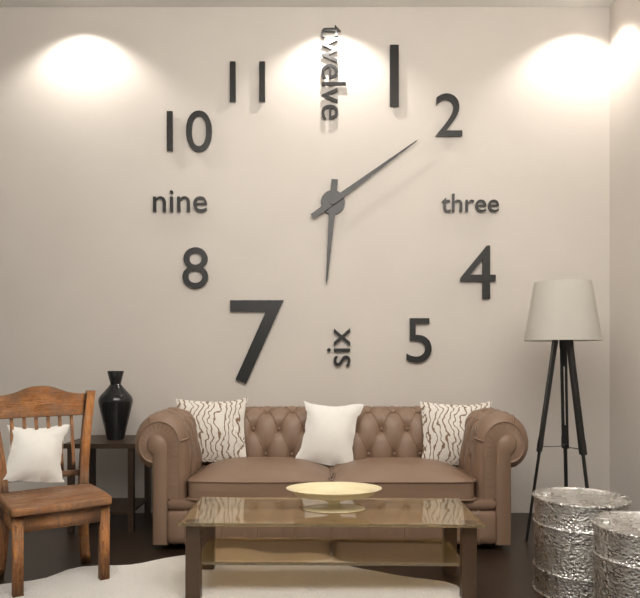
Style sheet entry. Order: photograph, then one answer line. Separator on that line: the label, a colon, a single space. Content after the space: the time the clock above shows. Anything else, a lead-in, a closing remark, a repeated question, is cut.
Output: 6:09
